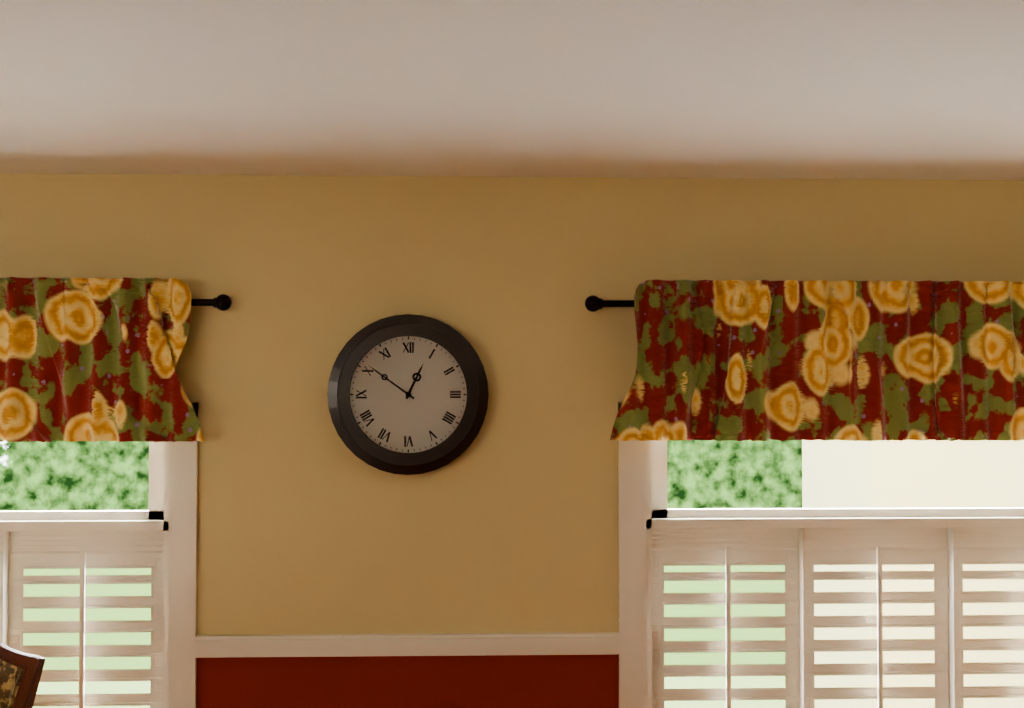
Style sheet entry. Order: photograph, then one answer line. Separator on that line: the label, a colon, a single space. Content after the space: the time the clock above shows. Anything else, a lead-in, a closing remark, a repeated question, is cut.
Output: 12:51
